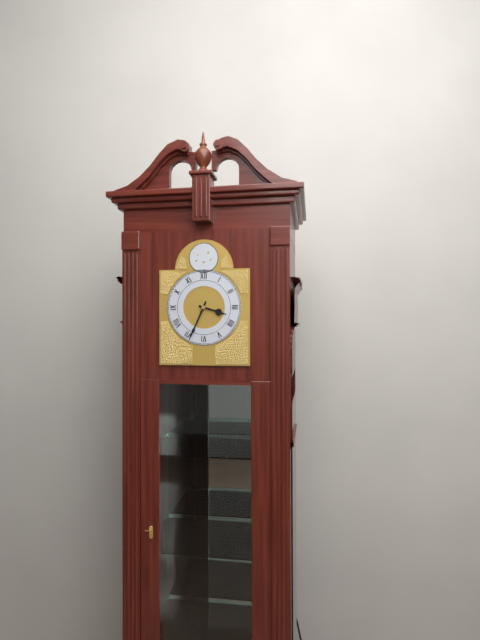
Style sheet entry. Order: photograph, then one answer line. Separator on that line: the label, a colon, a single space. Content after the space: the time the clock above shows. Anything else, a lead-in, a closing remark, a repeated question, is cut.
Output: 3:34
